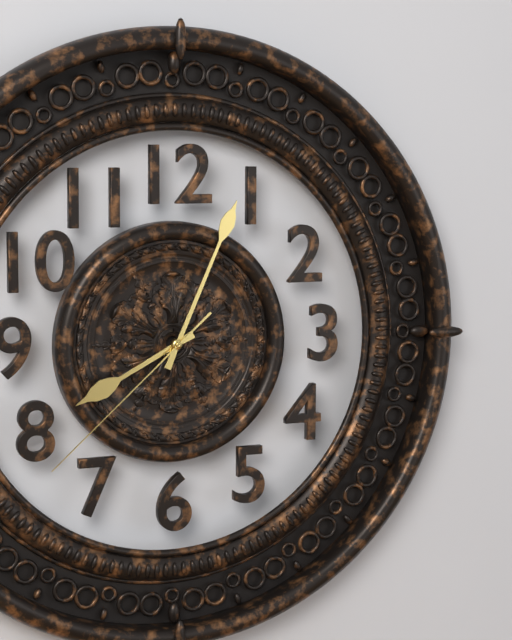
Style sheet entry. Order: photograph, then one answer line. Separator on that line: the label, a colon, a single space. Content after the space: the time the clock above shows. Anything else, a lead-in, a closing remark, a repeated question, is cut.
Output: 8:04:38
